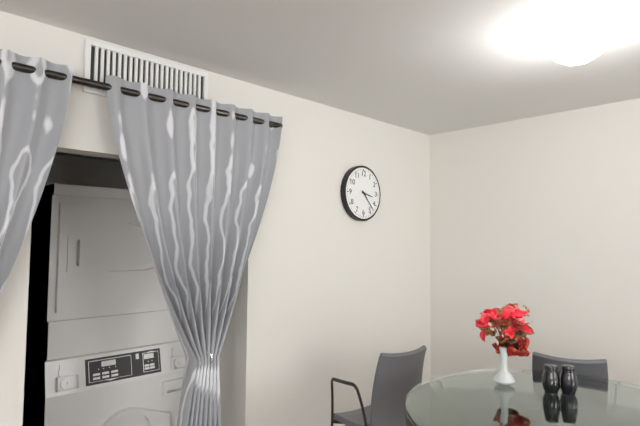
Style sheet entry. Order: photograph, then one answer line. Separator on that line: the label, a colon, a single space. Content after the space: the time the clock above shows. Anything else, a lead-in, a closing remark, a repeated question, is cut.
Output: 3:23
